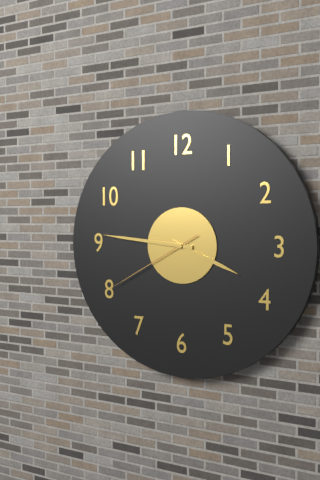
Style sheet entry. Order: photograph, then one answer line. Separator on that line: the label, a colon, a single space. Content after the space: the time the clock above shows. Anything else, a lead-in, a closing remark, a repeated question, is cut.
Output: 3:46:40
